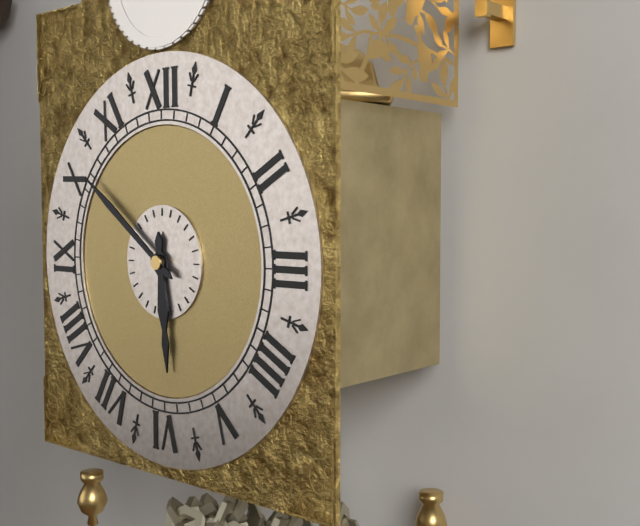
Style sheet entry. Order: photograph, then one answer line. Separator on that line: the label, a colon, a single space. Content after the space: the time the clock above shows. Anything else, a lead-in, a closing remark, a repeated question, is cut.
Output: 5:51
